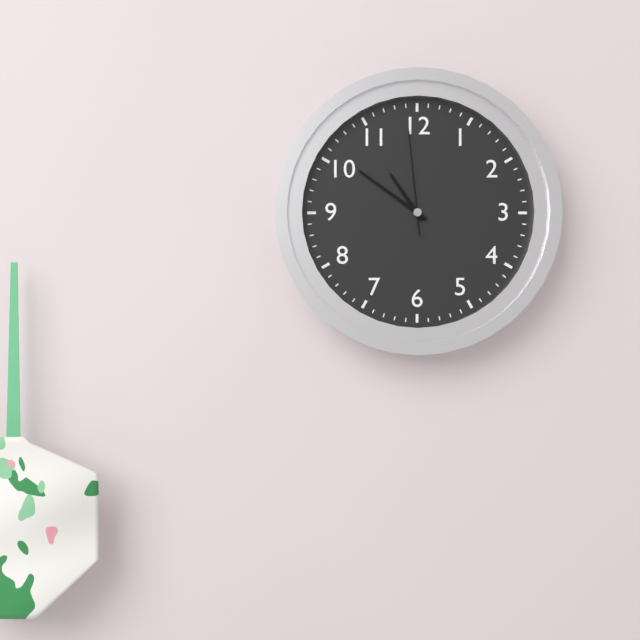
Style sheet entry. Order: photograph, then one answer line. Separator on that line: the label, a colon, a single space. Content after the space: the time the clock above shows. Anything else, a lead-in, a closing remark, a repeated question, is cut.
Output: 10:51:59
